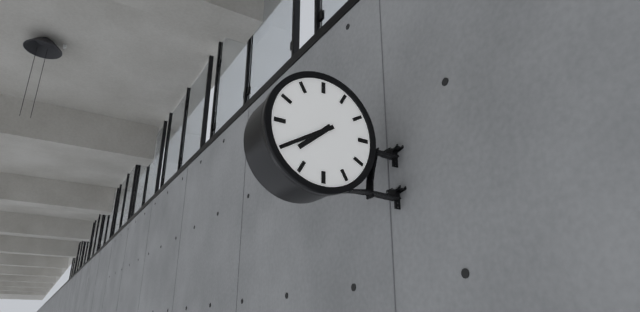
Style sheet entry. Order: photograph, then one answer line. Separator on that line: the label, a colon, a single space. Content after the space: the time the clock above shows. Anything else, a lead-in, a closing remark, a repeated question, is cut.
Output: 7:40
